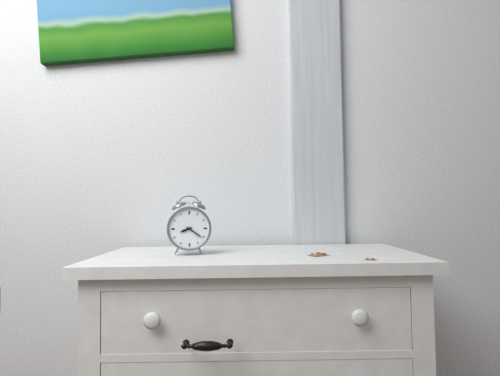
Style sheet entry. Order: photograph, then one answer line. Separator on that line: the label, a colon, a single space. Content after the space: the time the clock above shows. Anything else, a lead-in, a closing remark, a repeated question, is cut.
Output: 8:21
